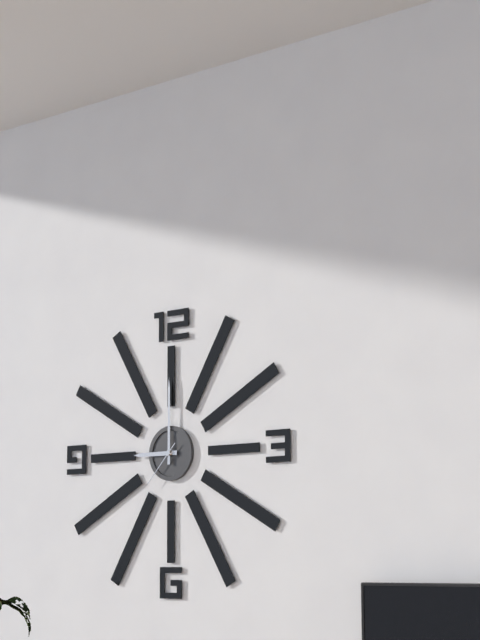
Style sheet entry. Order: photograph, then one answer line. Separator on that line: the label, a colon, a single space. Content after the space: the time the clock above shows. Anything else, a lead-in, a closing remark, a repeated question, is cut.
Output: 9:00
